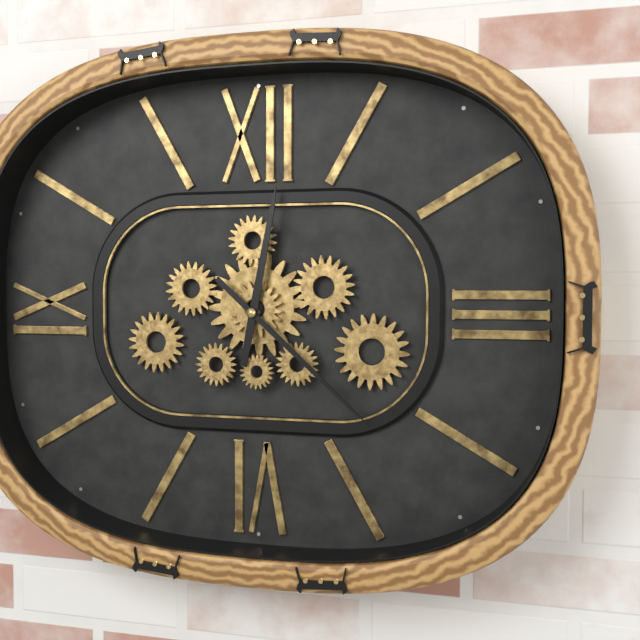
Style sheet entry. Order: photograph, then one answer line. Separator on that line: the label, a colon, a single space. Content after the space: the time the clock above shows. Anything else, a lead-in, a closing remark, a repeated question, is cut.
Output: 12:22
